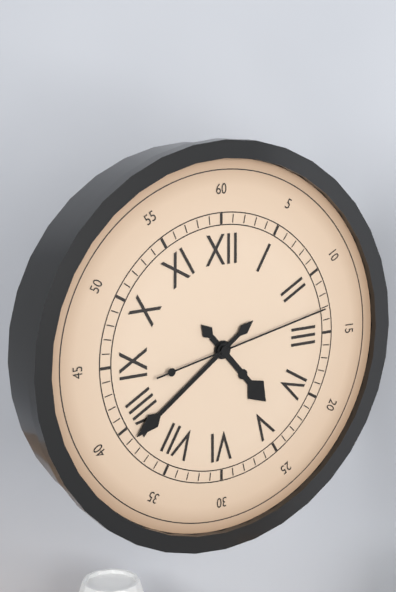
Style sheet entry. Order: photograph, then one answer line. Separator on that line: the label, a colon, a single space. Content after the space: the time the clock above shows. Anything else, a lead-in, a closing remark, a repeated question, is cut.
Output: 4:39:13
